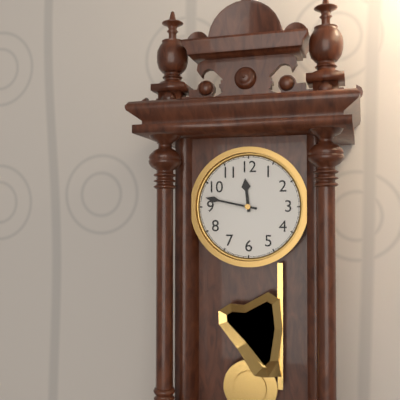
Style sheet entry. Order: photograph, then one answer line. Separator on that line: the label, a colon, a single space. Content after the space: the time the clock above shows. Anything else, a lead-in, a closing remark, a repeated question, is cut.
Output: 11:47
